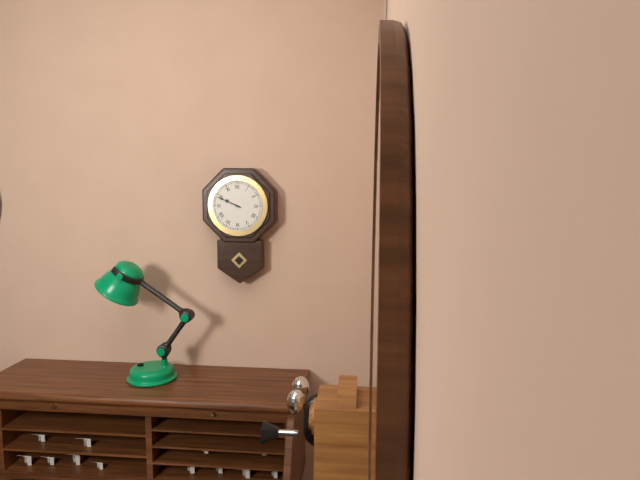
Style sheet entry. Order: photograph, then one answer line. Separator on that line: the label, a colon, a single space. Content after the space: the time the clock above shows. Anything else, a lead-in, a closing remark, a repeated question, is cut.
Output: 9:49
